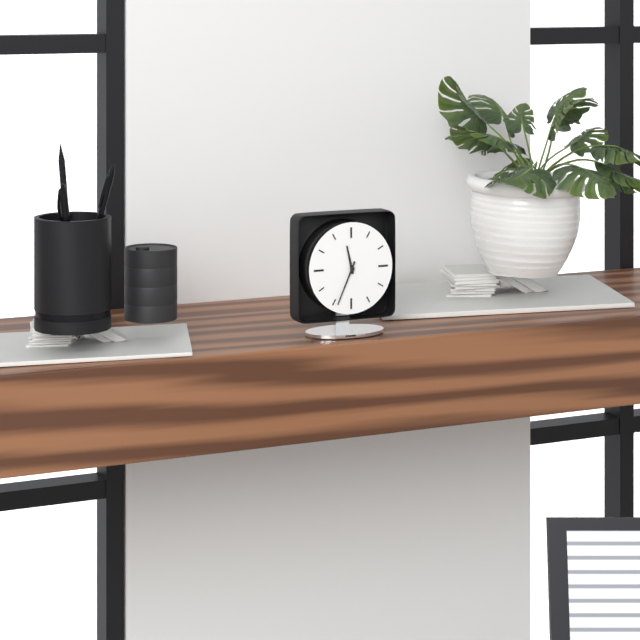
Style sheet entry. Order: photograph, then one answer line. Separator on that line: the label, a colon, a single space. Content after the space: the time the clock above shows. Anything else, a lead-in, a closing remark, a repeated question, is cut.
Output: 11:34
